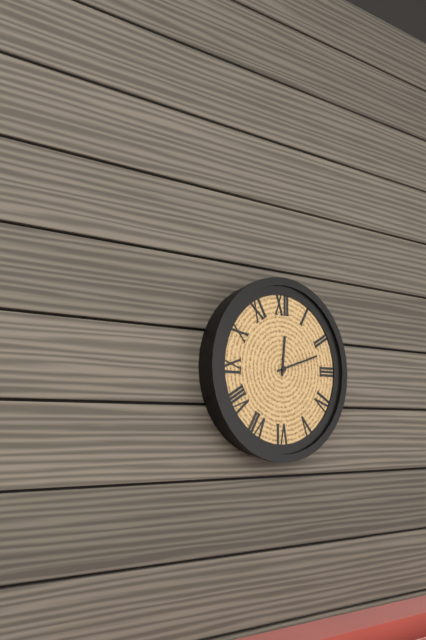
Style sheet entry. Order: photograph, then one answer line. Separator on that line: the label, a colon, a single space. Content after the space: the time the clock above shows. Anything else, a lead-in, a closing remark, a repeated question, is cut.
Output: 12:12
